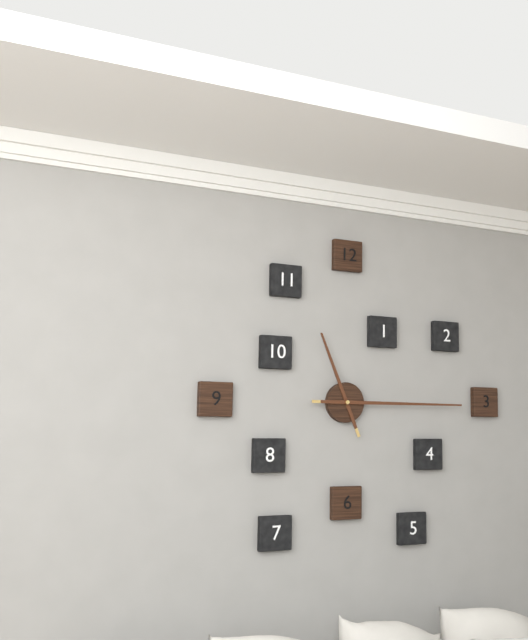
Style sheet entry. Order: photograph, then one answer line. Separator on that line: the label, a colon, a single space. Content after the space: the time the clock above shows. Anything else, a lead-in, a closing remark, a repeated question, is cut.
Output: 11:15
